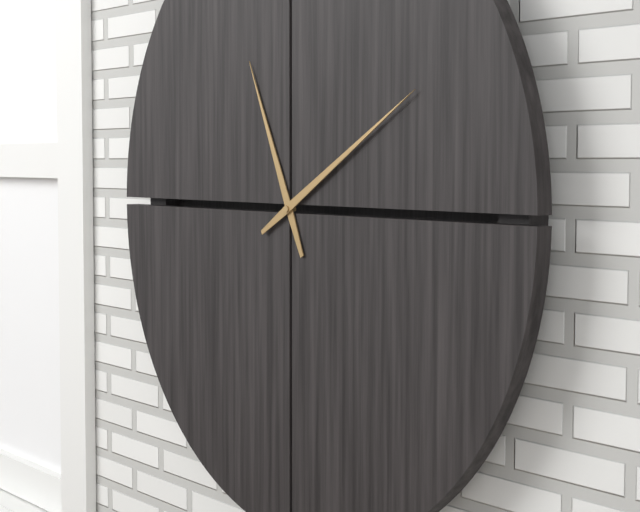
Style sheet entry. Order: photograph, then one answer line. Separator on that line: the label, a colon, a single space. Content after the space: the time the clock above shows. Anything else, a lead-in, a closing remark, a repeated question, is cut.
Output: 11:10
